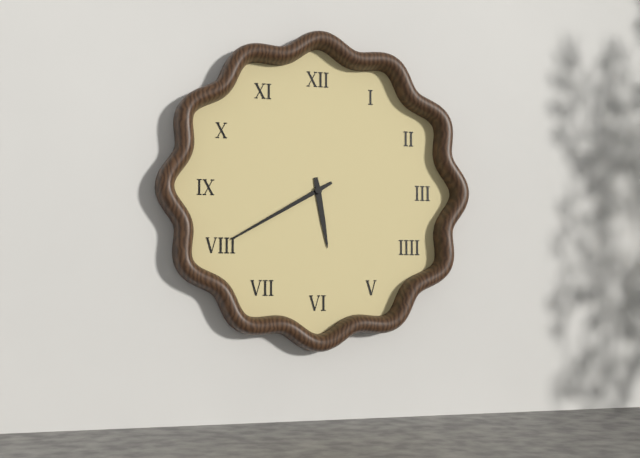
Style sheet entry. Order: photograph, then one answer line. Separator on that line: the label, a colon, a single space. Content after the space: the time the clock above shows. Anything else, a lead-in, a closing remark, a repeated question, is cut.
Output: 5:40
